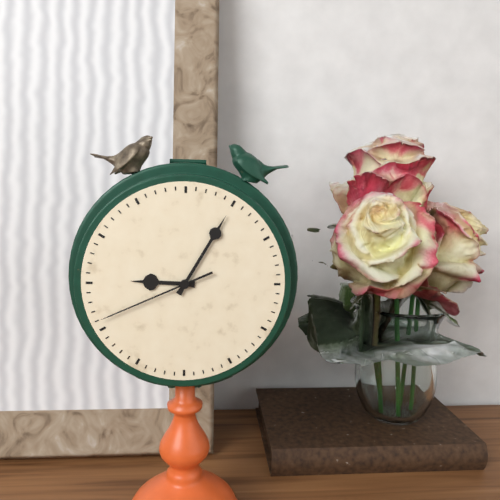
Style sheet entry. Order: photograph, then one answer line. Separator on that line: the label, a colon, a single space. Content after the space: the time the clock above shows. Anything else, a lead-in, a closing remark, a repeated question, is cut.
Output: 9:05:41
